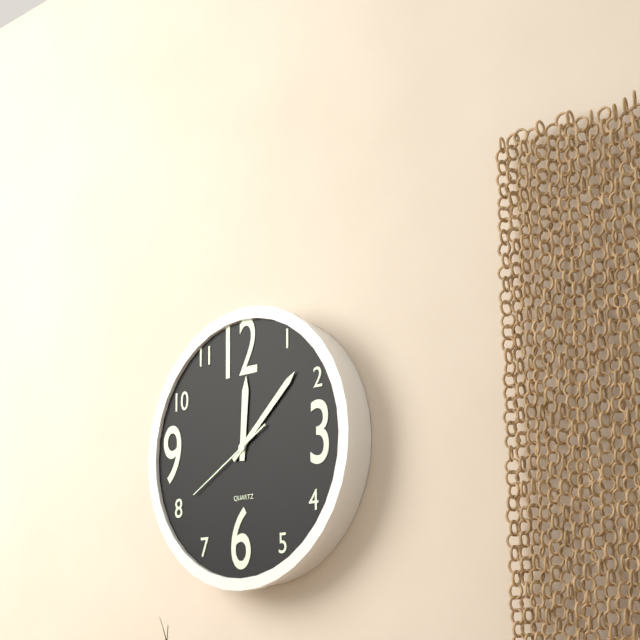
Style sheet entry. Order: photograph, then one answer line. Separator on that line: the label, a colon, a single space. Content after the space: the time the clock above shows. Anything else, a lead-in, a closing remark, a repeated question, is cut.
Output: 12:08:40
